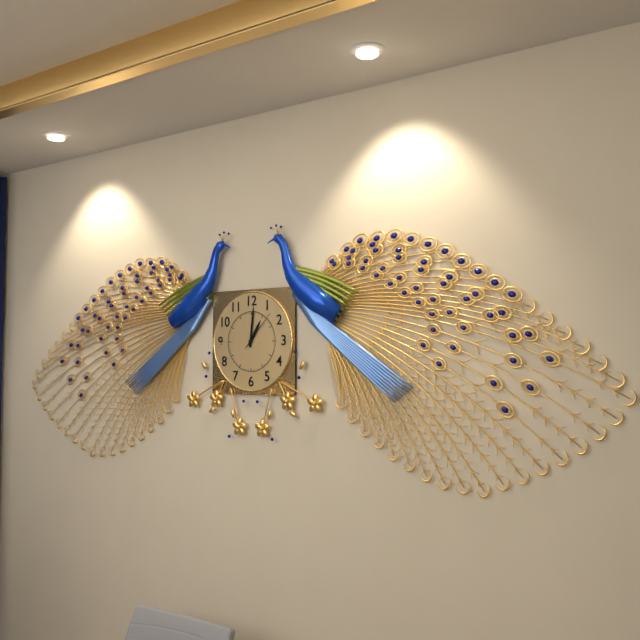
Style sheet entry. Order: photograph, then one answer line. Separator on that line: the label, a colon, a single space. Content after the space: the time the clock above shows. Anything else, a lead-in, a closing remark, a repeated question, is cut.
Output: 1:01
